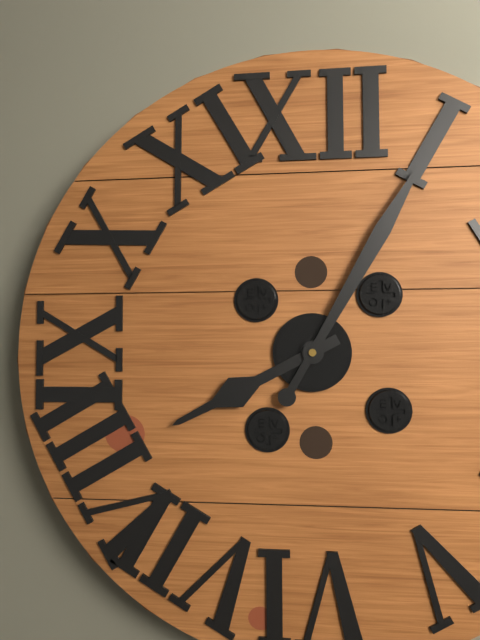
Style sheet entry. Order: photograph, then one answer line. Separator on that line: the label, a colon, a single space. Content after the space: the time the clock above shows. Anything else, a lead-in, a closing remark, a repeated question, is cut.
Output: 8:05
